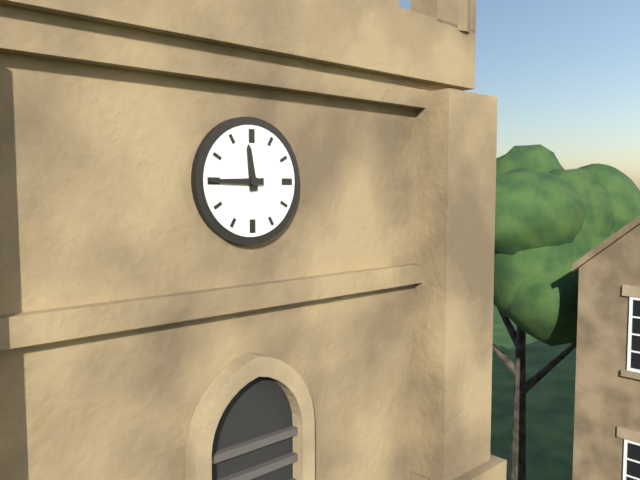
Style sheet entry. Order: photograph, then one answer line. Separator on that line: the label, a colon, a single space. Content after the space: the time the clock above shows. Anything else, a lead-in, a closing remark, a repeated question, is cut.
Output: 11:45
